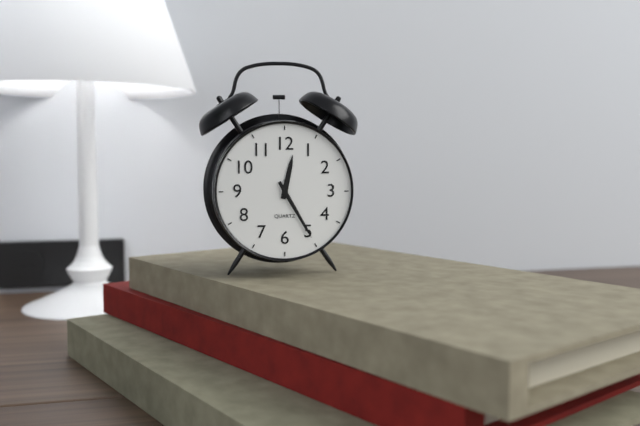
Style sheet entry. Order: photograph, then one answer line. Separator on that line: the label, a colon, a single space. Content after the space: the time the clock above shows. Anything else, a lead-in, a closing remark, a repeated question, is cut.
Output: 12:25
